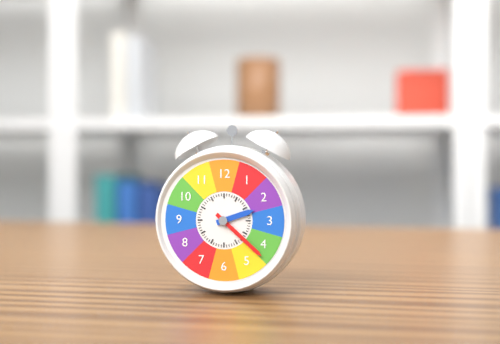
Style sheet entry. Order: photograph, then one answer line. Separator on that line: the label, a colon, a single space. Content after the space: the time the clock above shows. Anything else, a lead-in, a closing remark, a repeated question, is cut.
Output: 2:22
